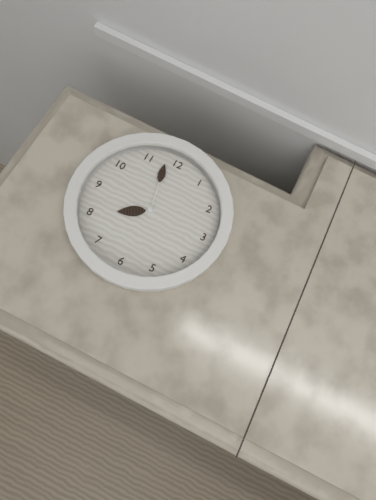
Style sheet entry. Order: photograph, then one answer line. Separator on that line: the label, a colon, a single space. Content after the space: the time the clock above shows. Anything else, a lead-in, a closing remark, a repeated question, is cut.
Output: 7:58
